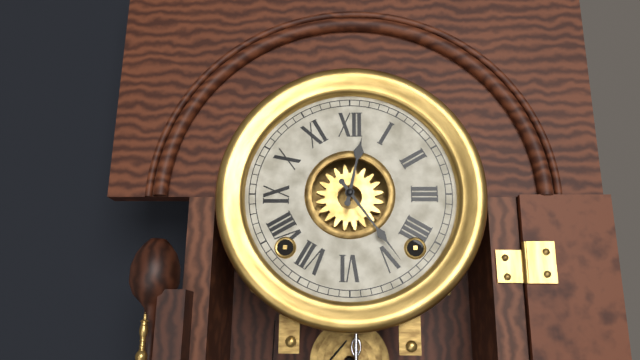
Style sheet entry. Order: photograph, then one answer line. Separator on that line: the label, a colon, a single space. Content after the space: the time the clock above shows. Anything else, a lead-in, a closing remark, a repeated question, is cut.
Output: 12:24
